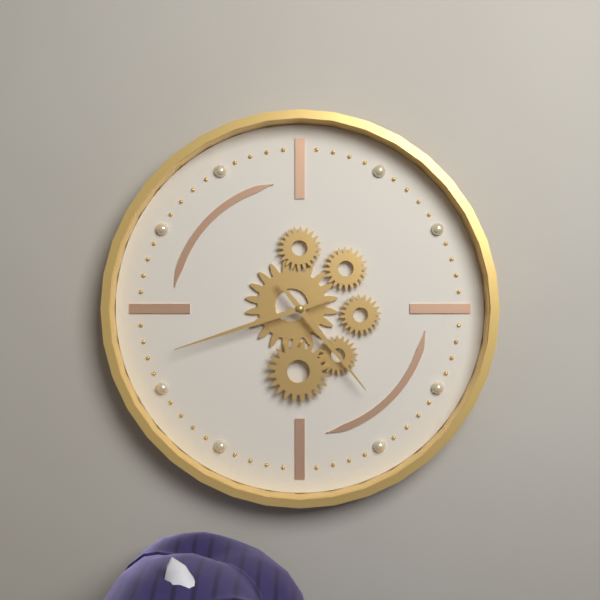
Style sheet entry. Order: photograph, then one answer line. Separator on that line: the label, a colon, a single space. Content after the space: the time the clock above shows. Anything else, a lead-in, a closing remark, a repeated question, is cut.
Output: 4:42
